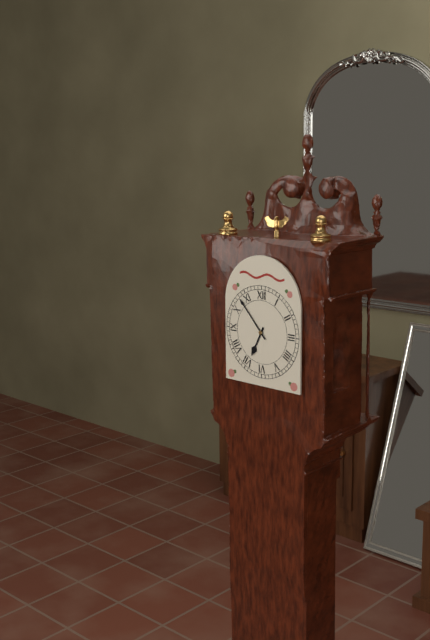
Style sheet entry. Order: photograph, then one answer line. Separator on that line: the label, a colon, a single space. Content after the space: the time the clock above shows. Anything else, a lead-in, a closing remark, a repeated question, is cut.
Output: 6:53
